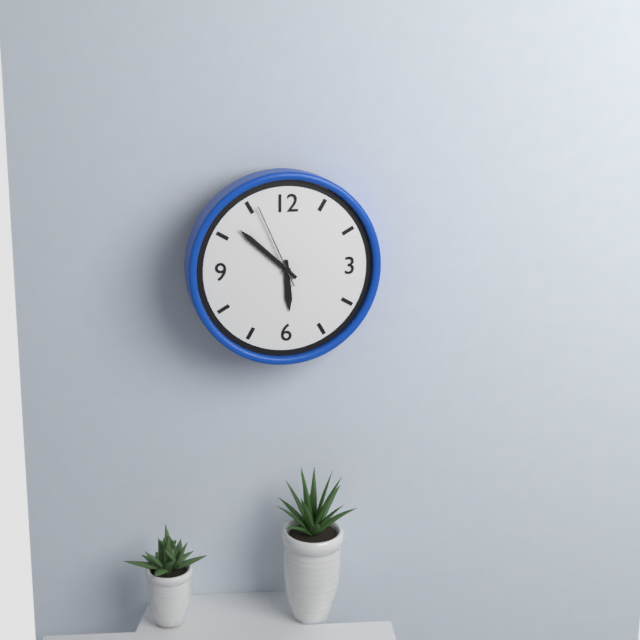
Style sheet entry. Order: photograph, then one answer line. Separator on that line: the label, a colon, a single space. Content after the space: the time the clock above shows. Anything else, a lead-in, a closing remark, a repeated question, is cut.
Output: 5:52:56
